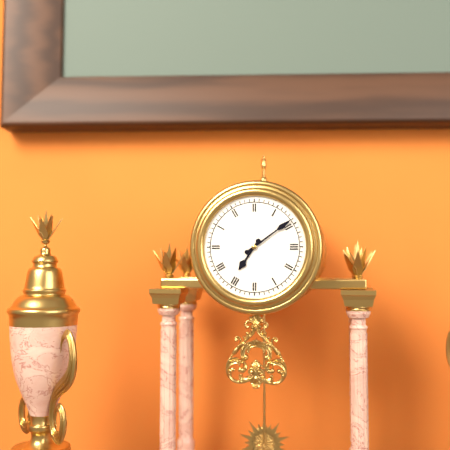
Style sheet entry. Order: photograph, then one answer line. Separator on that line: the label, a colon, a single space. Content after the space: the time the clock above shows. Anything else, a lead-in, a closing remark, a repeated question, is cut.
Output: 7:09
